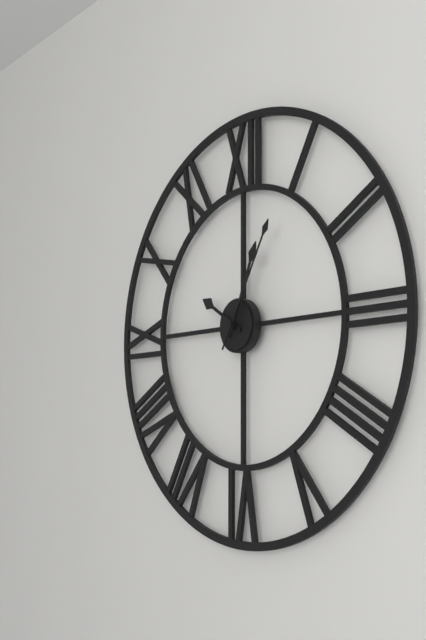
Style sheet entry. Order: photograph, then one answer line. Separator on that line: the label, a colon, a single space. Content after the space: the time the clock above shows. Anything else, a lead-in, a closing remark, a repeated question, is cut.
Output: 10:04:05
